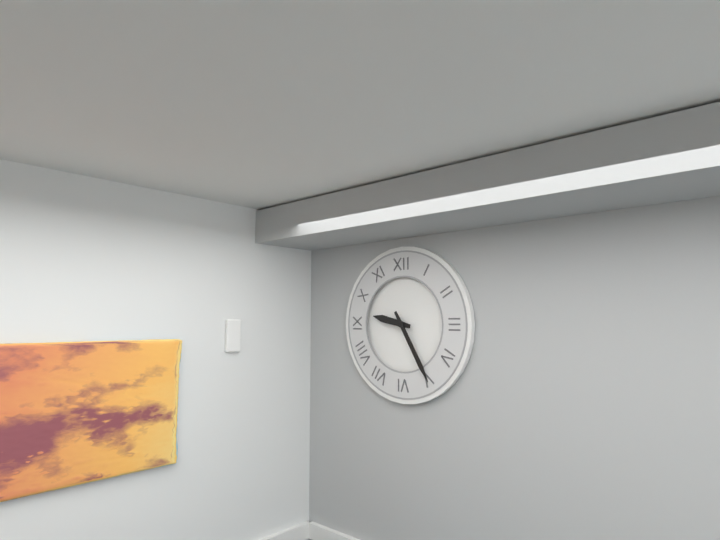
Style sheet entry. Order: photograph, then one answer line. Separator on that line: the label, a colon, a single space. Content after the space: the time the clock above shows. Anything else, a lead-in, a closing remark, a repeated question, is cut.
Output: 9:25
